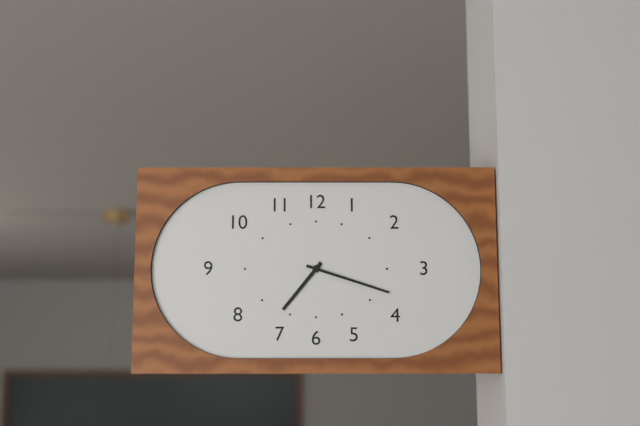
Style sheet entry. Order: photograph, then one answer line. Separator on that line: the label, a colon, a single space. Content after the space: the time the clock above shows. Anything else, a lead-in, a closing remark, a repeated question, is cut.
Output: 7:18
